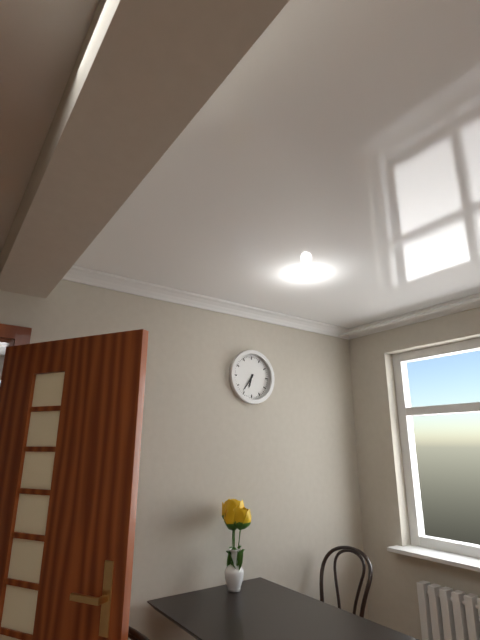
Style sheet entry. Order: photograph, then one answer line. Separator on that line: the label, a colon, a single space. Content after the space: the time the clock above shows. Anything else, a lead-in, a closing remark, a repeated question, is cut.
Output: 6:36
